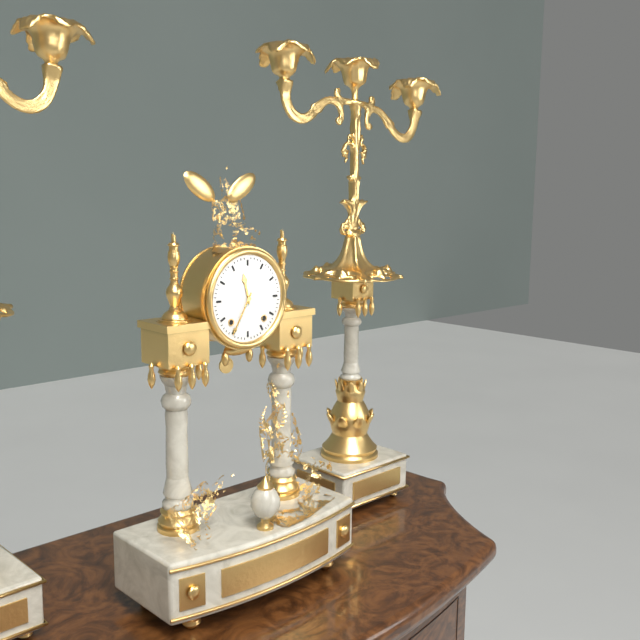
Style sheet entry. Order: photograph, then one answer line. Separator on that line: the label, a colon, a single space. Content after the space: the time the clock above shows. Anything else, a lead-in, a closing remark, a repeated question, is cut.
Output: 11:35
